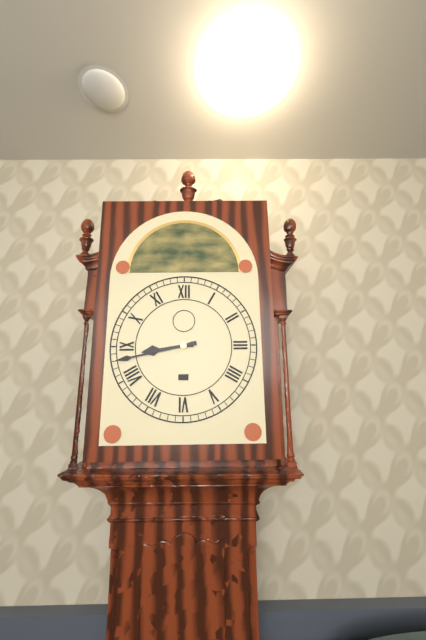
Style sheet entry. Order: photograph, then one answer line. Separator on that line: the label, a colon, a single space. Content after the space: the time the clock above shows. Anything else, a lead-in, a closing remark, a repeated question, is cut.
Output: 8:43
